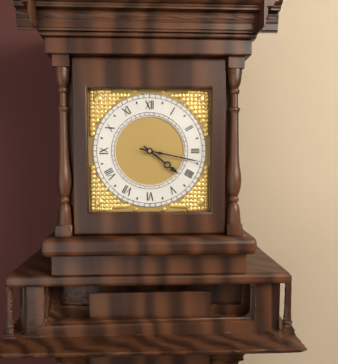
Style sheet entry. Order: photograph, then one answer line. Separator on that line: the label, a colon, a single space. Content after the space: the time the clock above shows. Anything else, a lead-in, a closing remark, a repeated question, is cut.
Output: 4:17
